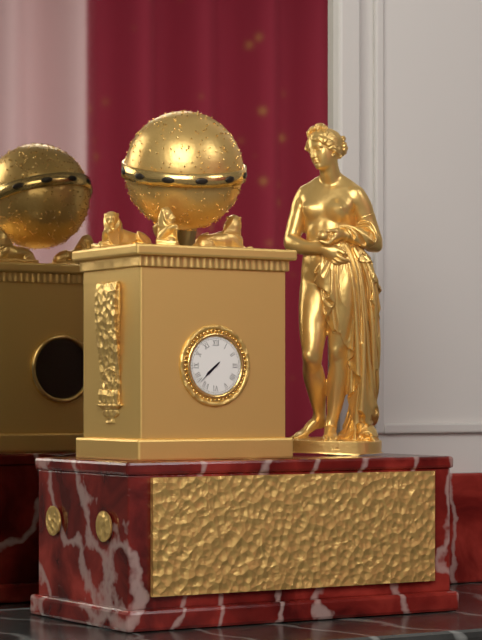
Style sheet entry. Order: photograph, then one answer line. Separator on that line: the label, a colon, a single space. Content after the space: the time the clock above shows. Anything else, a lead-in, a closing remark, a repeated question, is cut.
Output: 7:38
